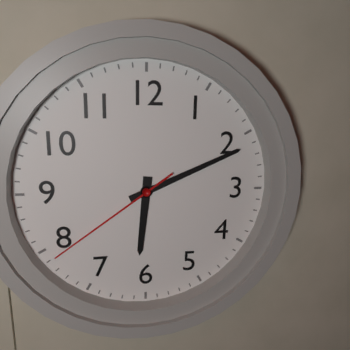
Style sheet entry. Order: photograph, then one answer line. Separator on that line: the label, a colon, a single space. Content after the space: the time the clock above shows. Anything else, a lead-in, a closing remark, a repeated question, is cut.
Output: 6:11:39
